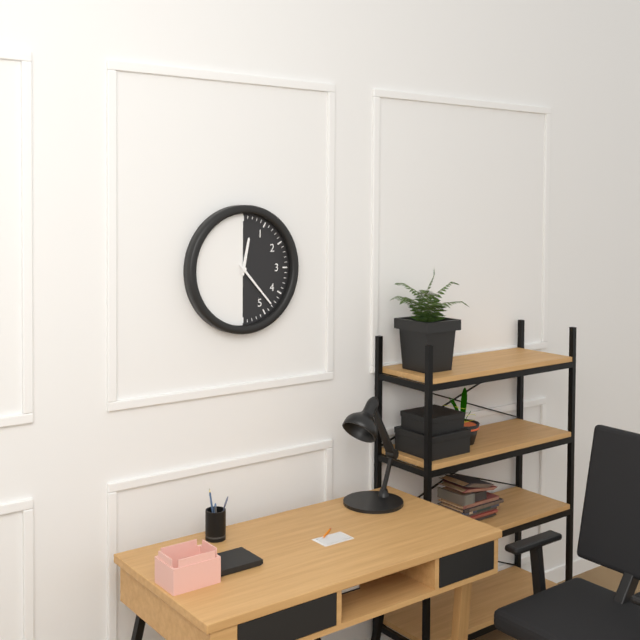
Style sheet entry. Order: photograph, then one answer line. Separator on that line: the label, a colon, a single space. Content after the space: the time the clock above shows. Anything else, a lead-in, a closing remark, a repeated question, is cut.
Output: 12:23
